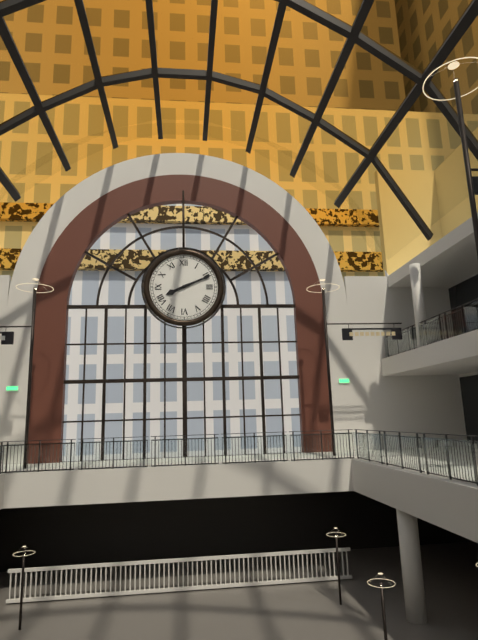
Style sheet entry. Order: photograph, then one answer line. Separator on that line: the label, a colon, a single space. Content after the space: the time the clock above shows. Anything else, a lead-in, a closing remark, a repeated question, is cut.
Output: 8:11
